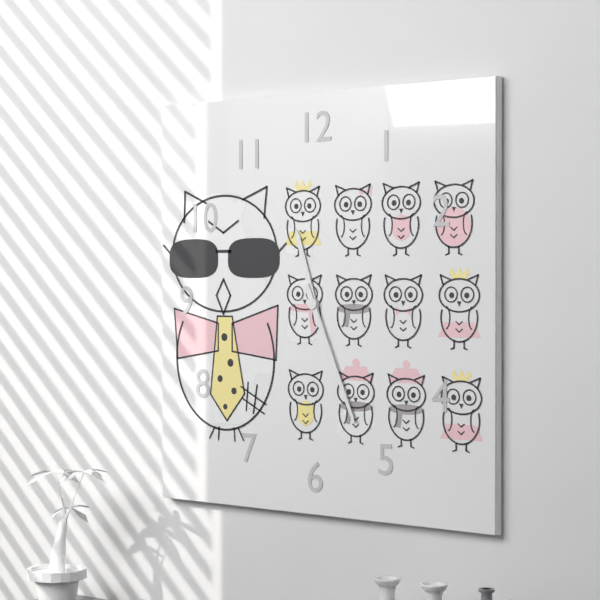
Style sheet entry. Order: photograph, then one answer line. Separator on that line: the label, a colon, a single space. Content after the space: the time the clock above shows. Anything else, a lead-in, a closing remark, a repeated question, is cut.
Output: 11:26
